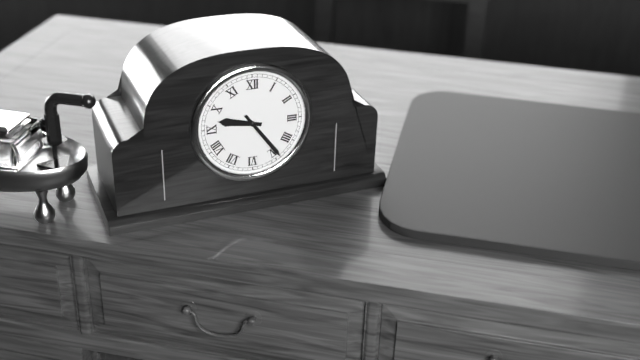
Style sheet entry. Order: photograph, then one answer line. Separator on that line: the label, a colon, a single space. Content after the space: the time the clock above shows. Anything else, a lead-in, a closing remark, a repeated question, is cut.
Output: 9:24
